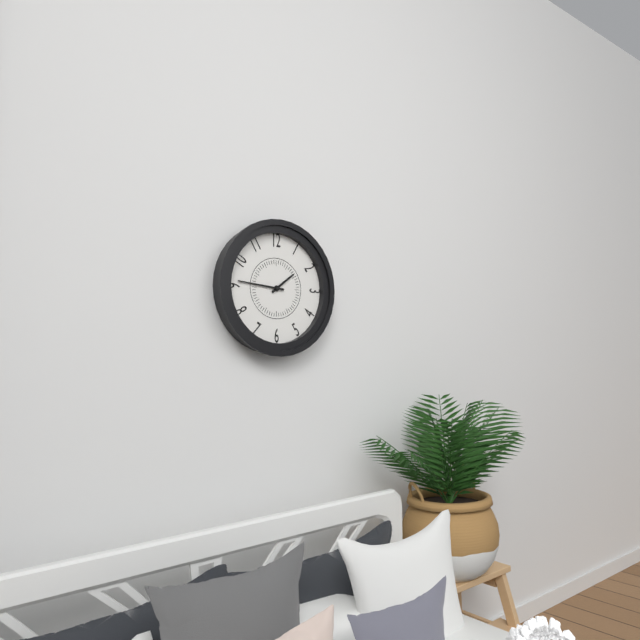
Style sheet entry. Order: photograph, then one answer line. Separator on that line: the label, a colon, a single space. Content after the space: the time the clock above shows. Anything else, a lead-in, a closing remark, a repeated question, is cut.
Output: 1:46
